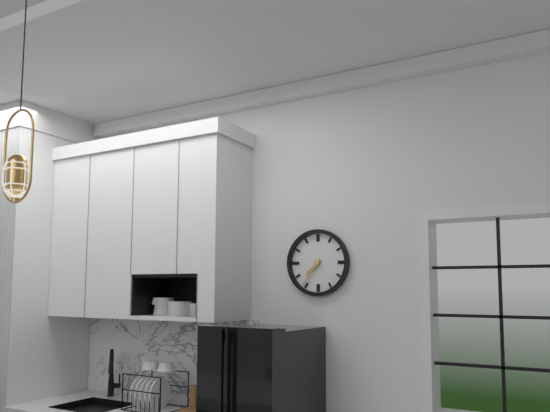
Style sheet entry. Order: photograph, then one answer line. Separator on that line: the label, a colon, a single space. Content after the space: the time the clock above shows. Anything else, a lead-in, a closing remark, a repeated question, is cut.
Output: 7:36
